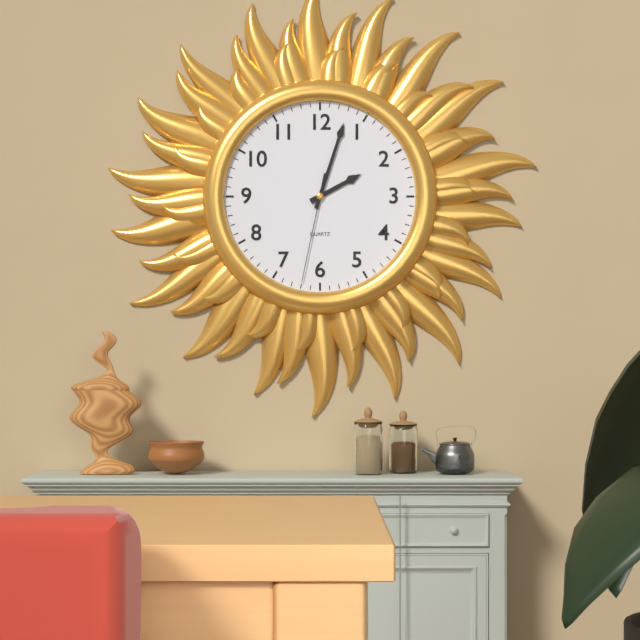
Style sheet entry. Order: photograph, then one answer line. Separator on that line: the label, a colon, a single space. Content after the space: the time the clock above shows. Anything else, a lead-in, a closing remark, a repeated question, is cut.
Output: 2:03:32
